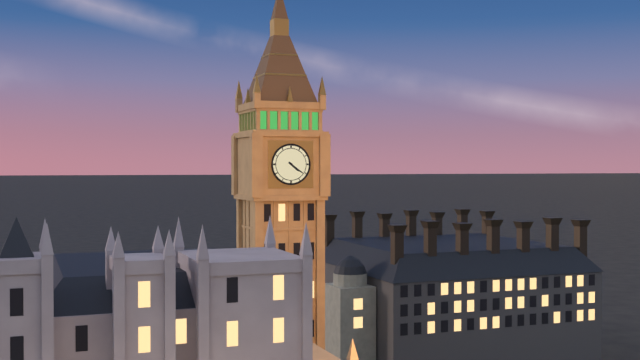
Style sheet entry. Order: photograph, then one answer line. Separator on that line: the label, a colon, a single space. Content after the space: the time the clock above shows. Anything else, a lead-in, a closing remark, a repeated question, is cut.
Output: 4:21
